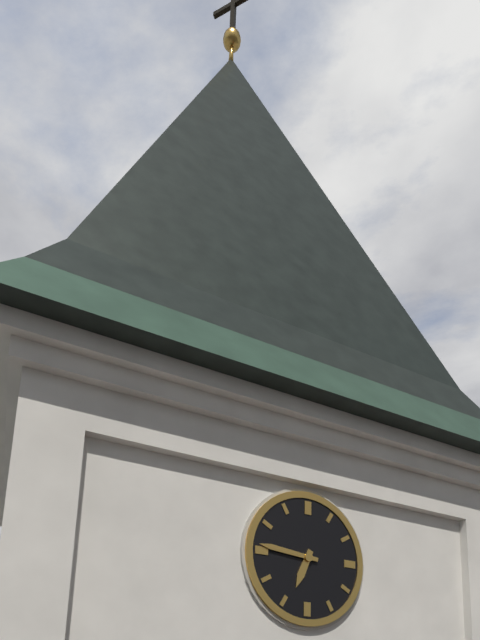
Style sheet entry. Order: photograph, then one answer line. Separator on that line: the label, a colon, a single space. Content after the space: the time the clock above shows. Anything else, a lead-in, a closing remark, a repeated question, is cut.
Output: 6:46
